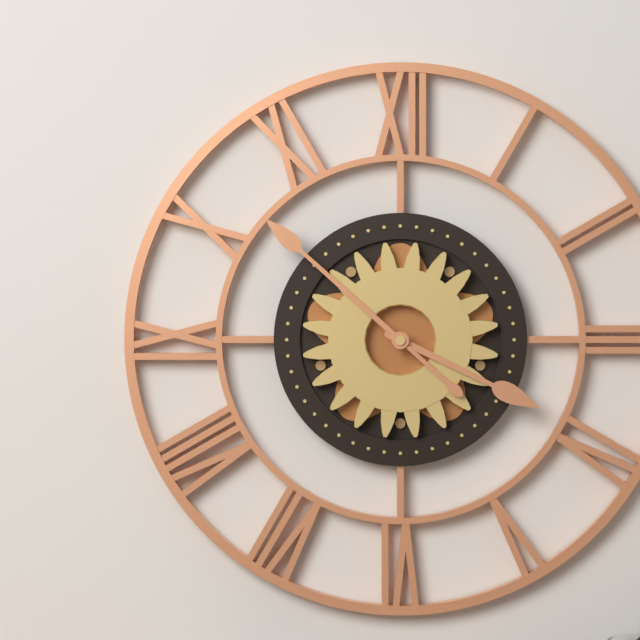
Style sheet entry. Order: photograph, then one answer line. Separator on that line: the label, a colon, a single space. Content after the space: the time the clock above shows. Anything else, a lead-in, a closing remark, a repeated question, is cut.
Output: 3:52
